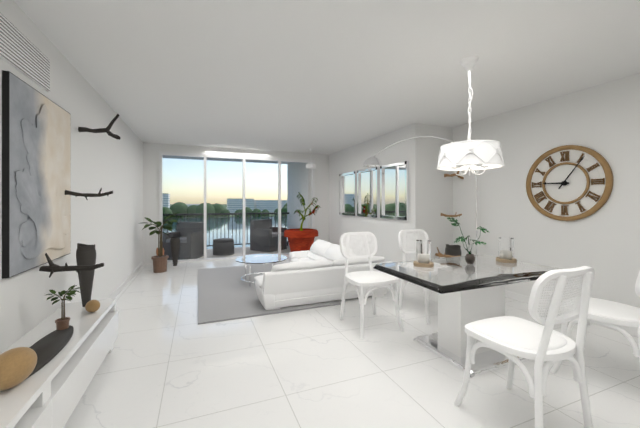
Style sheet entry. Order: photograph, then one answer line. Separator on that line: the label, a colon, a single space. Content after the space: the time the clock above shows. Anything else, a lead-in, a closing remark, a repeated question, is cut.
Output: 9:06
